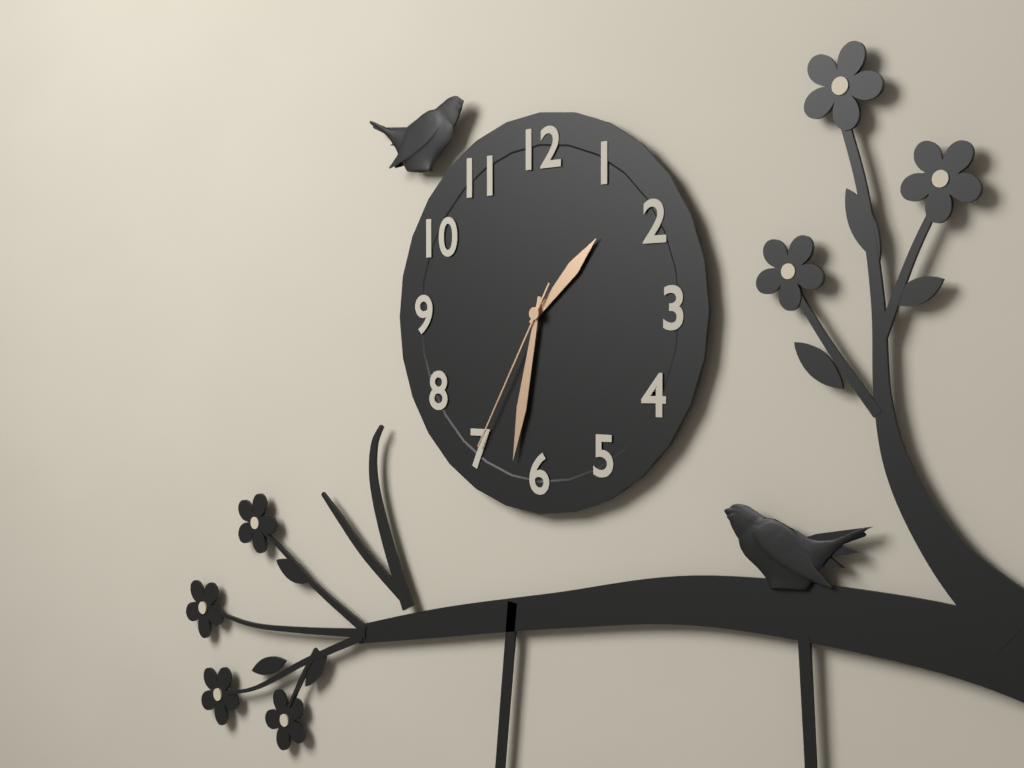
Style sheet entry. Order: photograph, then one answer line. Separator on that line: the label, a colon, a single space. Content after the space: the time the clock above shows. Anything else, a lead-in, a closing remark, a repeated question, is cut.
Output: 1:32:35
